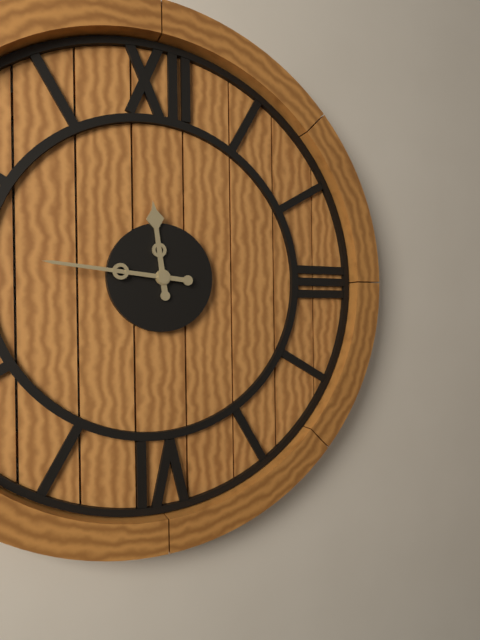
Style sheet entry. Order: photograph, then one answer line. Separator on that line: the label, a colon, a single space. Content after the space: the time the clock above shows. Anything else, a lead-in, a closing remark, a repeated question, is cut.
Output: 11:46
